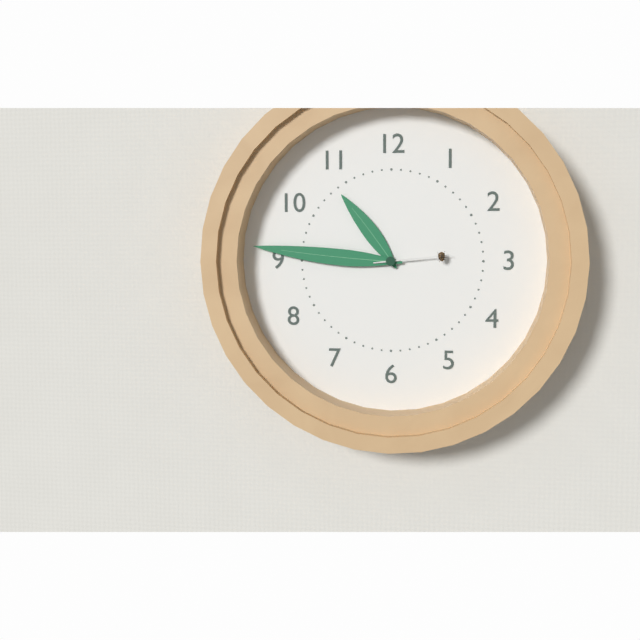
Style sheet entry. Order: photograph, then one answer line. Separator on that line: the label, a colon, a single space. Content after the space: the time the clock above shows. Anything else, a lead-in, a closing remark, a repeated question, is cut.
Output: 10:46:14
